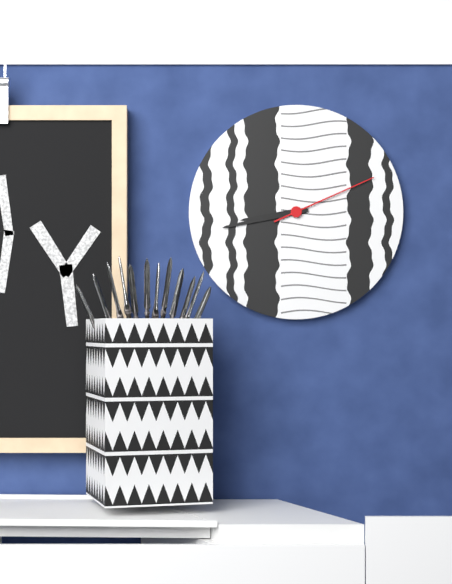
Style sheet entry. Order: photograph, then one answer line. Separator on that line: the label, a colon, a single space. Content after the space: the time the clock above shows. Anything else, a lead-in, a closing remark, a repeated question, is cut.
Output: 8:43:11
